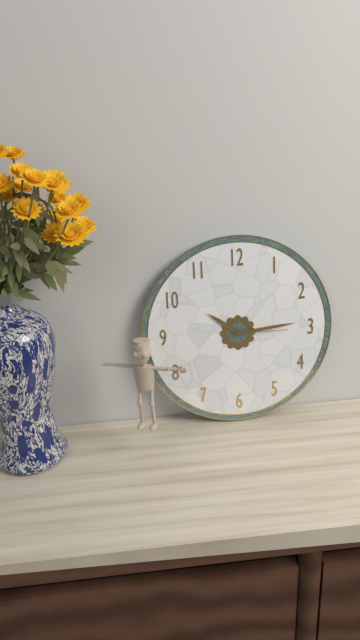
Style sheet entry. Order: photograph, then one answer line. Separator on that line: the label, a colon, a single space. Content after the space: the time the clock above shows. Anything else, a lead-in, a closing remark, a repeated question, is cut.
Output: 10:14:15
